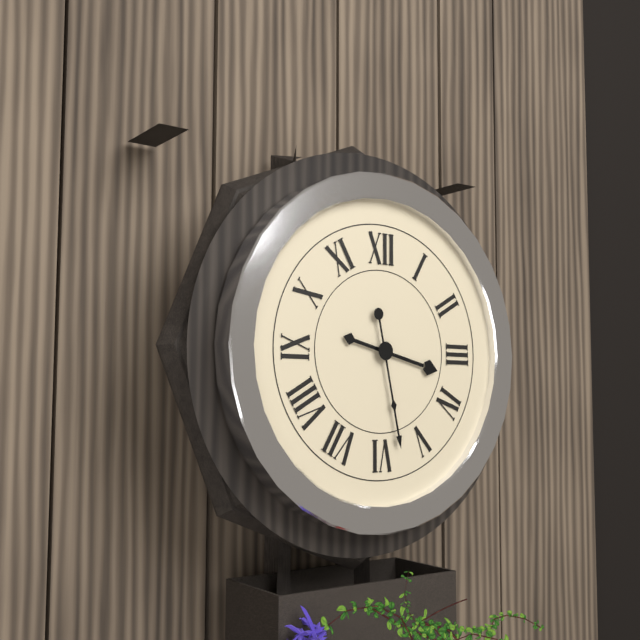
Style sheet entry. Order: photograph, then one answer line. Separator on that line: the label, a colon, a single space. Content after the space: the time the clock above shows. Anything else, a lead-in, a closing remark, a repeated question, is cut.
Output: 3:28
